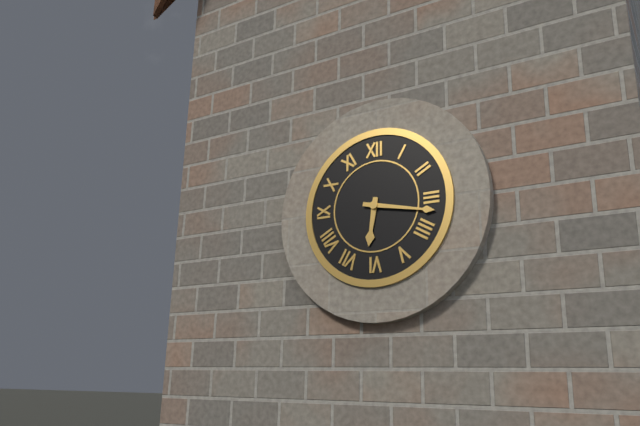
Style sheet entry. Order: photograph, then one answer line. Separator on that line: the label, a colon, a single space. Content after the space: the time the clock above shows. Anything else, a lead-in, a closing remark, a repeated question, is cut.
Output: 6:17
